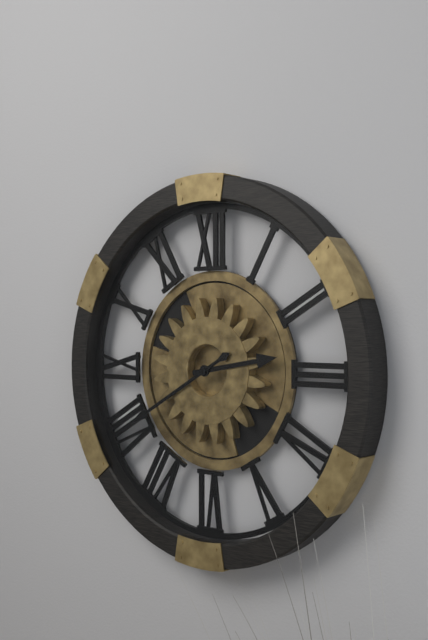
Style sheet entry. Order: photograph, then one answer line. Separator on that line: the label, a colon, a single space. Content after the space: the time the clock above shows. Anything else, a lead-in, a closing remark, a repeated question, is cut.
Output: 2:40
